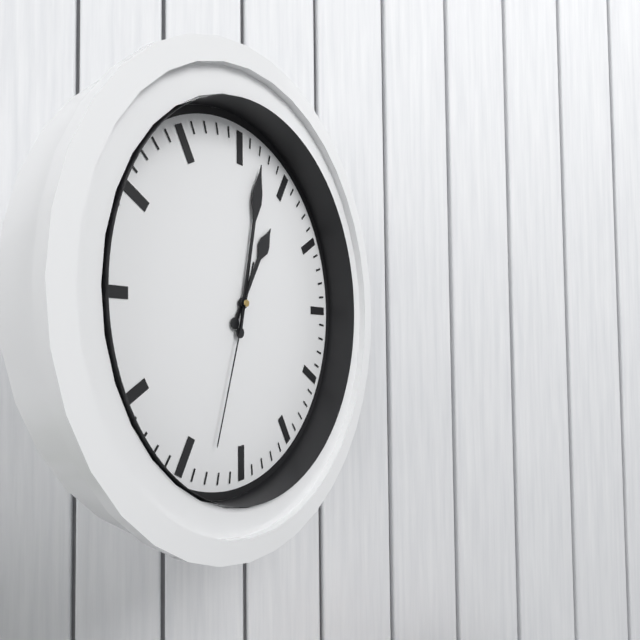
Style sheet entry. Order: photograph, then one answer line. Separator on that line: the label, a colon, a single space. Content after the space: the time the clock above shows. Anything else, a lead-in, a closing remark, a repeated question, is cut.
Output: 1:02:33
